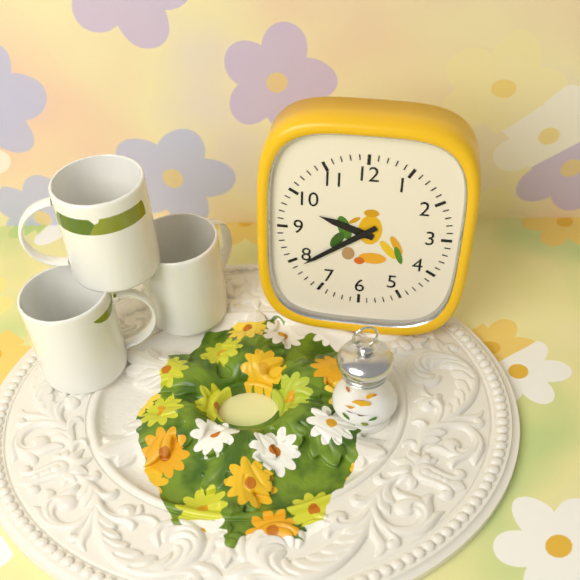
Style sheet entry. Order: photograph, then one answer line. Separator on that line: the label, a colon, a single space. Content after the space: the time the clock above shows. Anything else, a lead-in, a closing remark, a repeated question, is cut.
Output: 9:39
